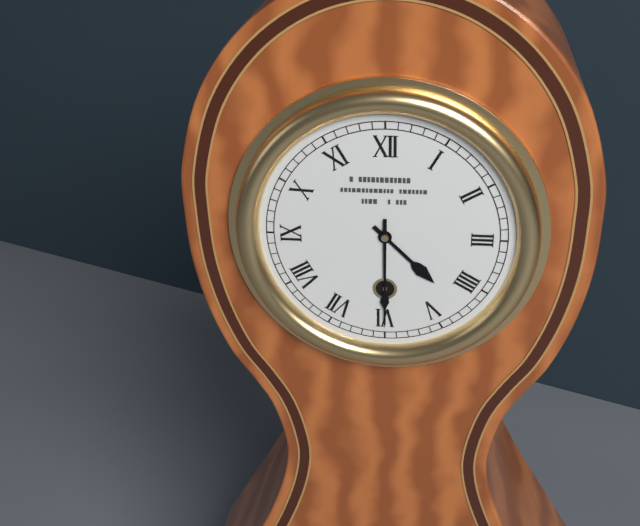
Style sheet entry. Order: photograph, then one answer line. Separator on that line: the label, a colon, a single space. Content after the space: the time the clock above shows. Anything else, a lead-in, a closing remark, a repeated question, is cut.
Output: 4:30
